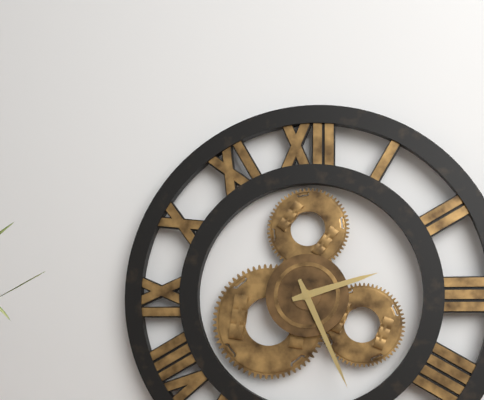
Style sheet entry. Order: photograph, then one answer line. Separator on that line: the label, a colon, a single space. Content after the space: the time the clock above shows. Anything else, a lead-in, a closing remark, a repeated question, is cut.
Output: 2:26
